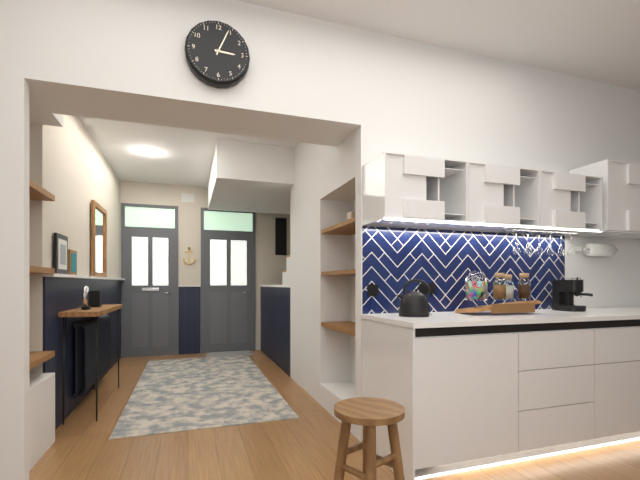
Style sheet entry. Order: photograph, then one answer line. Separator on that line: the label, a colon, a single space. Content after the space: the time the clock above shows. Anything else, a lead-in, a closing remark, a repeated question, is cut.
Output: 3:04
